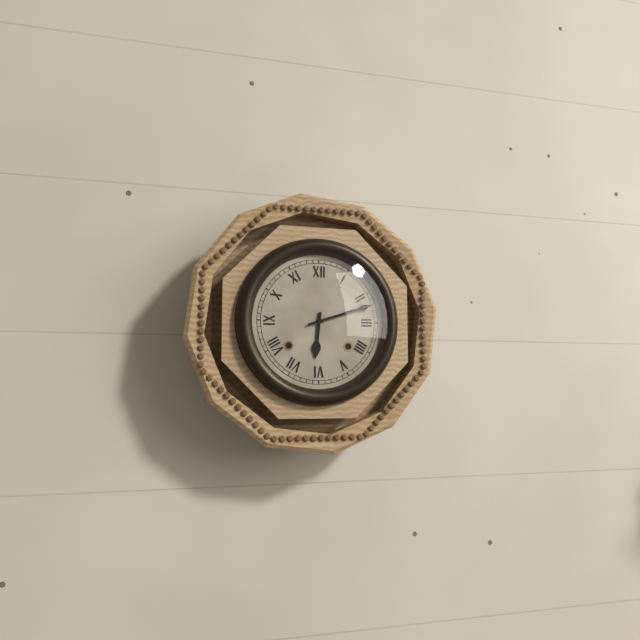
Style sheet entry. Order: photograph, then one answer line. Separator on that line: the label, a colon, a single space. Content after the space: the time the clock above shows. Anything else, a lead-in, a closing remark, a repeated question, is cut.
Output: 6:12
